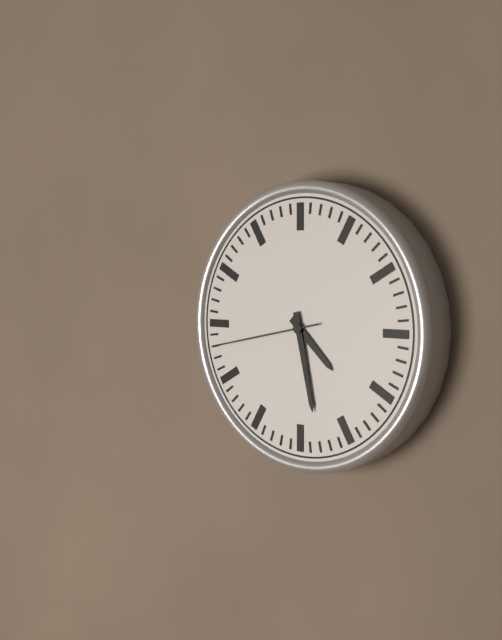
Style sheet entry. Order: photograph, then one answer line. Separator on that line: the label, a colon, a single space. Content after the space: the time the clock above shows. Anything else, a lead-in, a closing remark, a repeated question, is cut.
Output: 4:28:43
